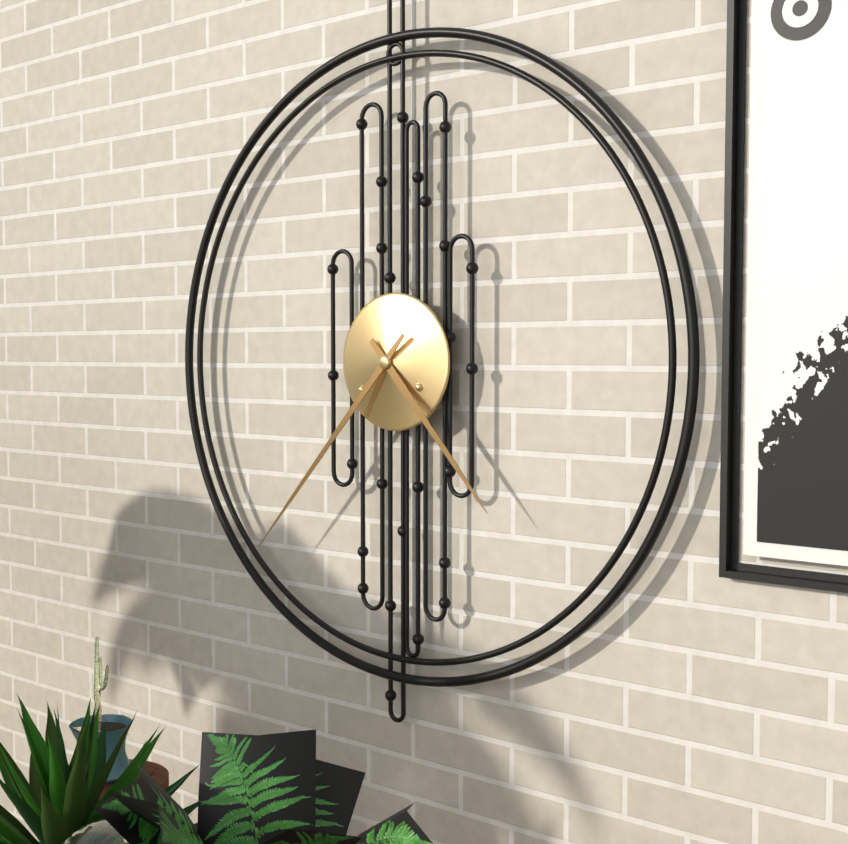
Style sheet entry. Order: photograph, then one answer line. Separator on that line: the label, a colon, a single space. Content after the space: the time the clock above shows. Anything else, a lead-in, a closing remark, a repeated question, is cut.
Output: 4:37
